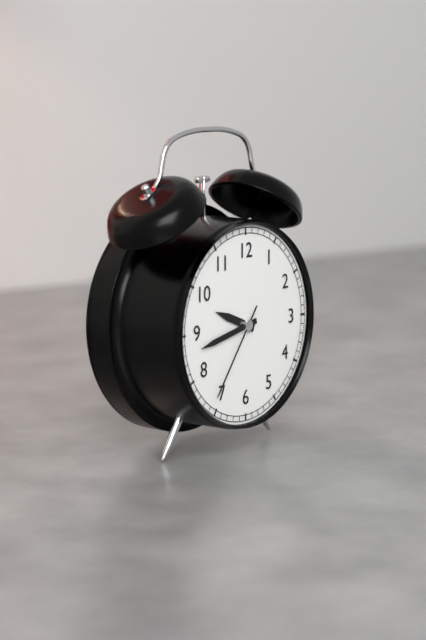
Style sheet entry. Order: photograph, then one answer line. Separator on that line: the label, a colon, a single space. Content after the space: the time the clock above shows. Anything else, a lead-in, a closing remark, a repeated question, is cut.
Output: 9:43:36
